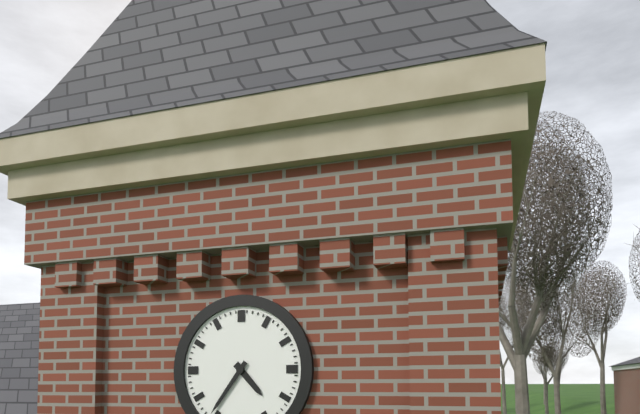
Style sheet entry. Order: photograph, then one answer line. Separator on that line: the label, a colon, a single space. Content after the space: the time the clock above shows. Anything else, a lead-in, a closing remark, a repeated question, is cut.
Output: 4:36
